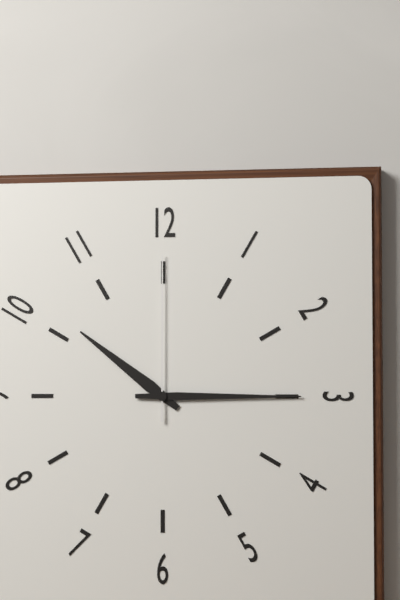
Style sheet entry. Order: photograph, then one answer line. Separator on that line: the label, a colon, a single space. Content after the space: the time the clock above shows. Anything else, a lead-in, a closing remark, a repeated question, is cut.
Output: 10:15:00
